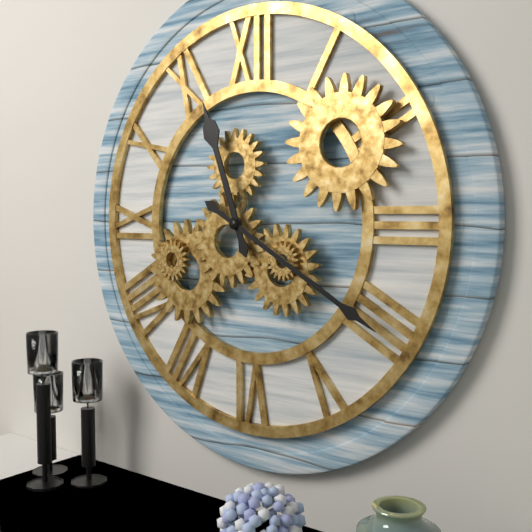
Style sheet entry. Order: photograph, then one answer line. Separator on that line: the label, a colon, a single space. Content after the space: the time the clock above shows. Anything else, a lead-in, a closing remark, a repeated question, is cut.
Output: 11:20
